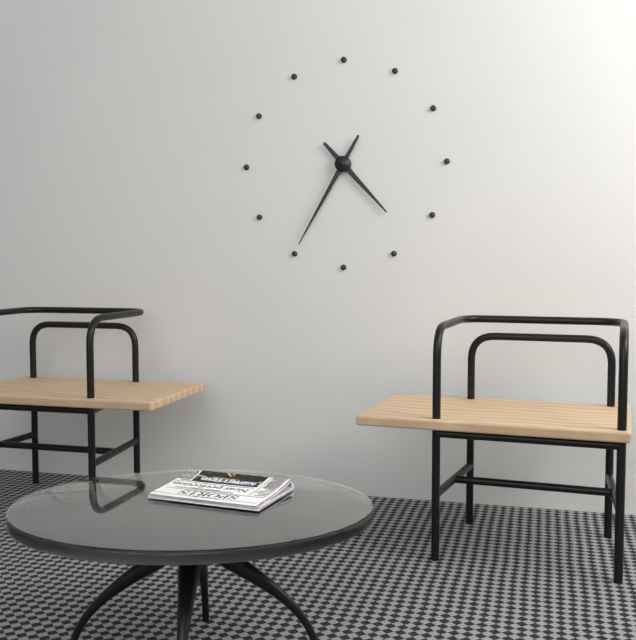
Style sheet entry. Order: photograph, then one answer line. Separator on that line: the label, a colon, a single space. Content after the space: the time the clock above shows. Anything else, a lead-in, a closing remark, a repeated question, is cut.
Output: 4:35
